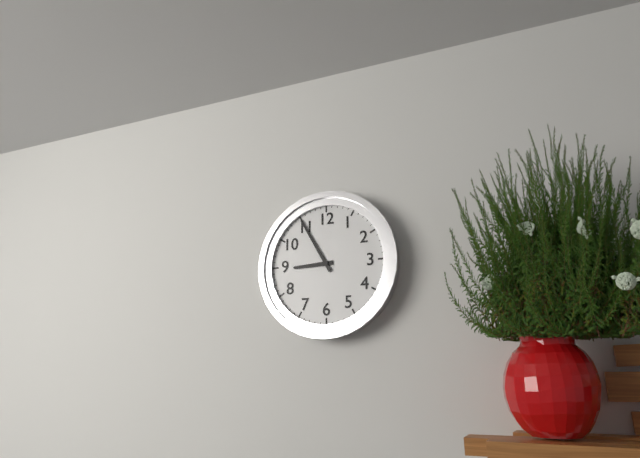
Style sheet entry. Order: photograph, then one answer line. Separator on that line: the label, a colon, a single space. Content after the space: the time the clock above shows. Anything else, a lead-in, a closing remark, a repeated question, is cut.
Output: 8:55
